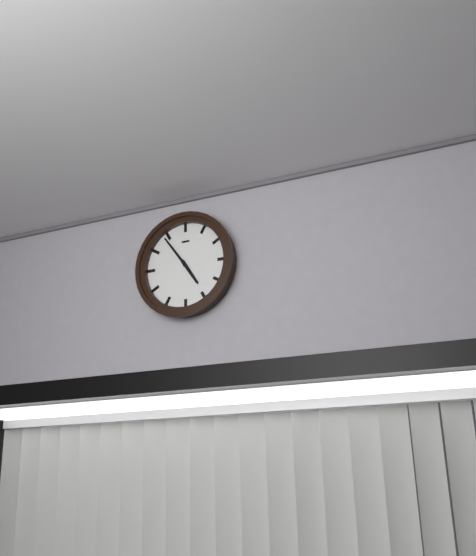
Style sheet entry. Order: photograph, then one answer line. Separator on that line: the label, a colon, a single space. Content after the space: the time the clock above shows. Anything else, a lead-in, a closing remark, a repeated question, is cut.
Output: 4:54
